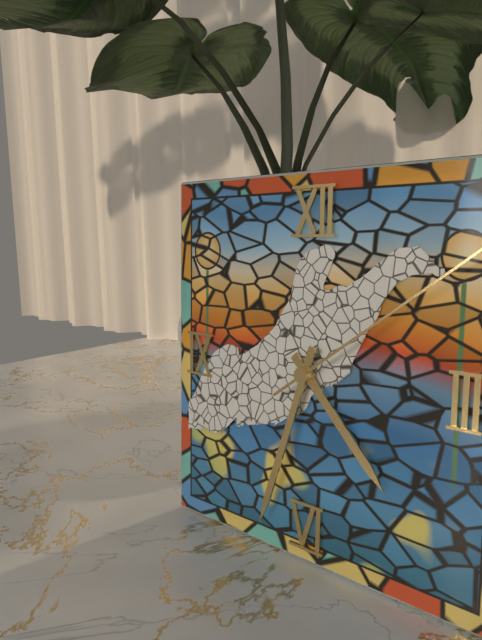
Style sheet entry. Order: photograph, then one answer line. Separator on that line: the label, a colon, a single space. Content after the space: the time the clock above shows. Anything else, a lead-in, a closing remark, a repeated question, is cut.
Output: 4:33
